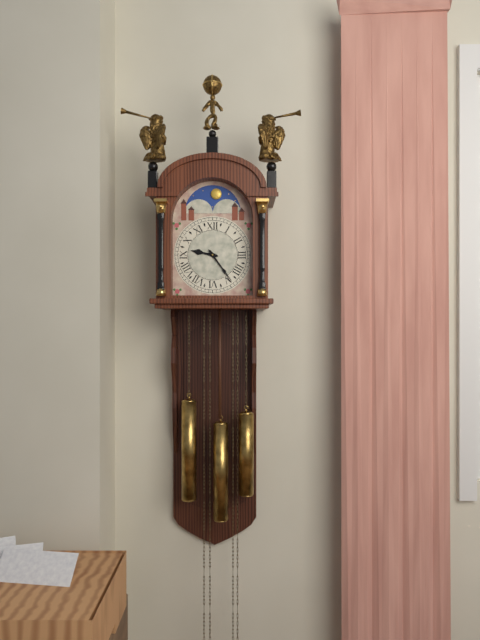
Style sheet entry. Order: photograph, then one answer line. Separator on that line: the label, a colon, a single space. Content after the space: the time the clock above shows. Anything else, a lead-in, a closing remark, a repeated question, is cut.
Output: 9:24
